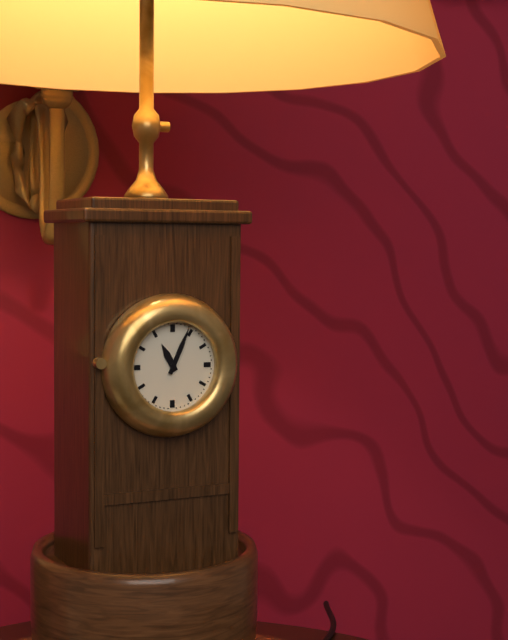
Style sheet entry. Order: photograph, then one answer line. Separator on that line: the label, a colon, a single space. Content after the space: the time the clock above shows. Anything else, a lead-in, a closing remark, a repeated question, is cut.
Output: 11:04
